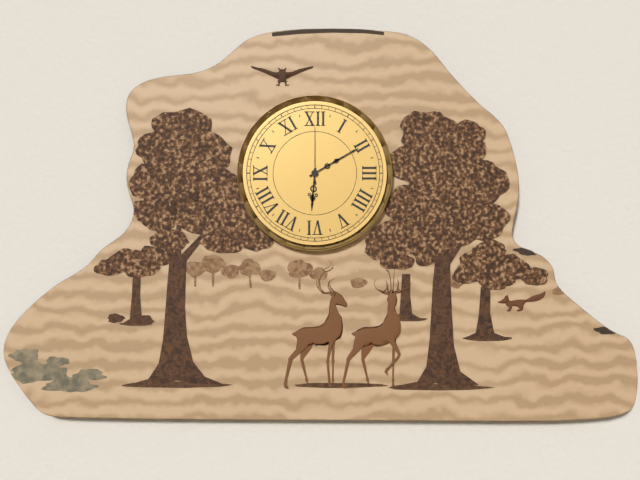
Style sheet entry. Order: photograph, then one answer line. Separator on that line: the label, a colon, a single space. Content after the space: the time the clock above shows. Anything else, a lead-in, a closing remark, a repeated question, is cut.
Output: 6:10:00
